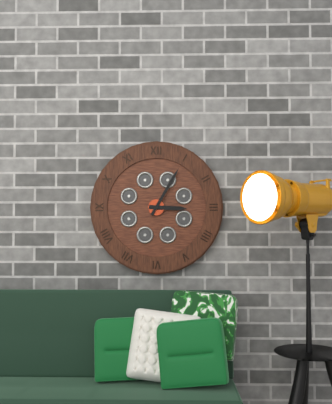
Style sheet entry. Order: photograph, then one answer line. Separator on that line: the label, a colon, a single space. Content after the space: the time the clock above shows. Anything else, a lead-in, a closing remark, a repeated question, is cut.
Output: 3:05
